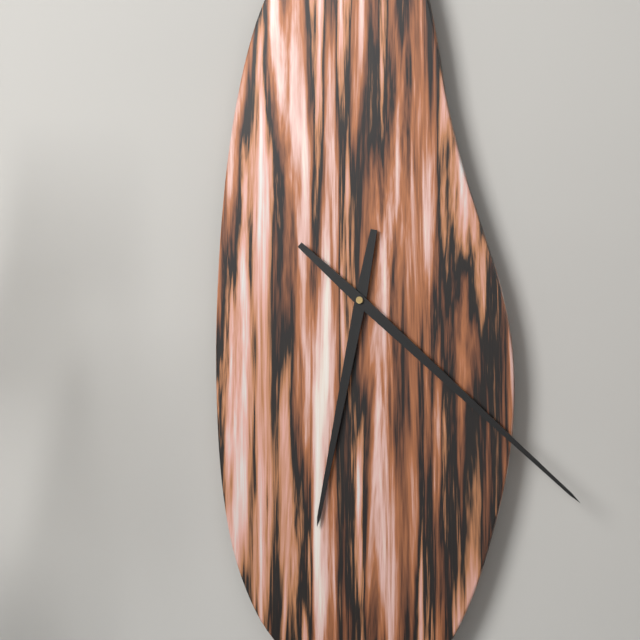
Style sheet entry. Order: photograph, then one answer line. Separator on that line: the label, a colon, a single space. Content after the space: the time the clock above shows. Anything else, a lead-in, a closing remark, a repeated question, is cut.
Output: 6:22
